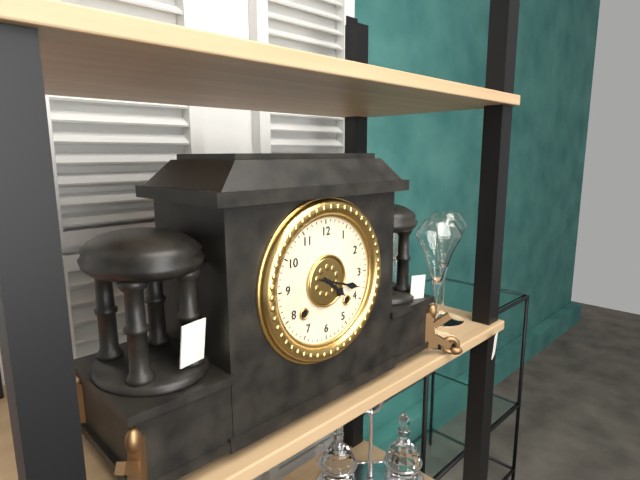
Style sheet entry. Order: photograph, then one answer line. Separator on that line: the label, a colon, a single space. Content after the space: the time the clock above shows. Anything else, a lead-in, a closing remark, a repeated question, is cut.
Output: 4:18
